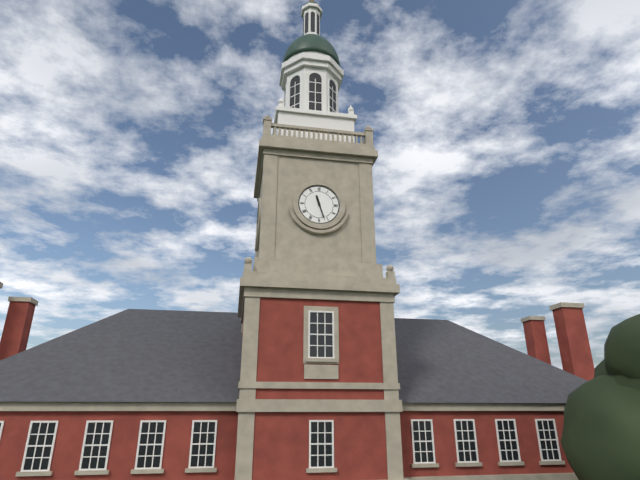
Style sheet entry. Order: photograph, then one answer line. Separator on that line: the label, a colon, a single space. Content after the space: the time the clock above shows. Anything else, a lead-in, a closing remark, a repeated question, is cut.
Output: 11:27
